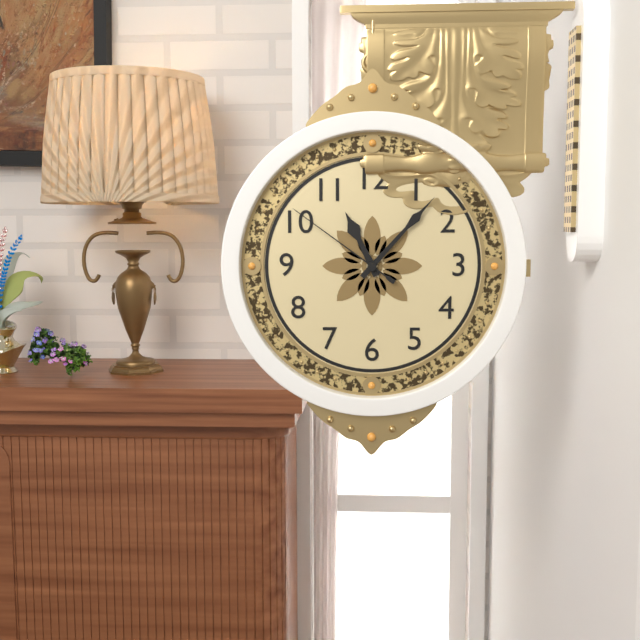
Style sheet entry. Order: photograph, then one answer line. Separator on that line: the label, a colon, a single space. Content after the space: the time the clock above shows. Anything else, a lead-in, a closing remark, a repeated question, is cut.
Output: 11:07:51
